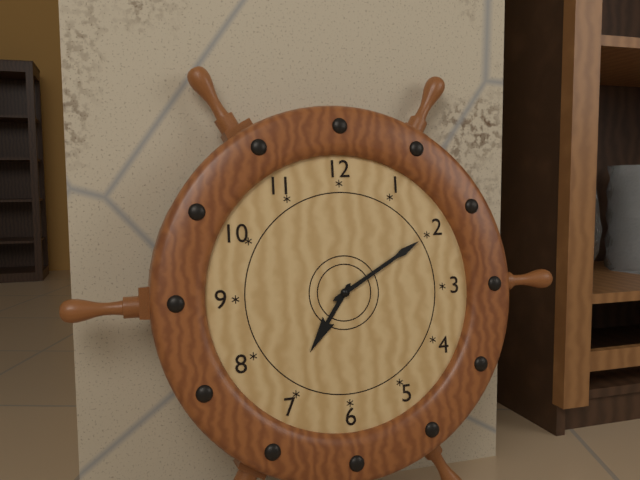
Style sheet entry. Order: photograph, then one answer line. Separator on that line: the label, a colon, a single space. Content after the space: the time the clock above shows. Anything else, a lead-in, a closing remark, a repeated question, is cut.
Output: 7:10
